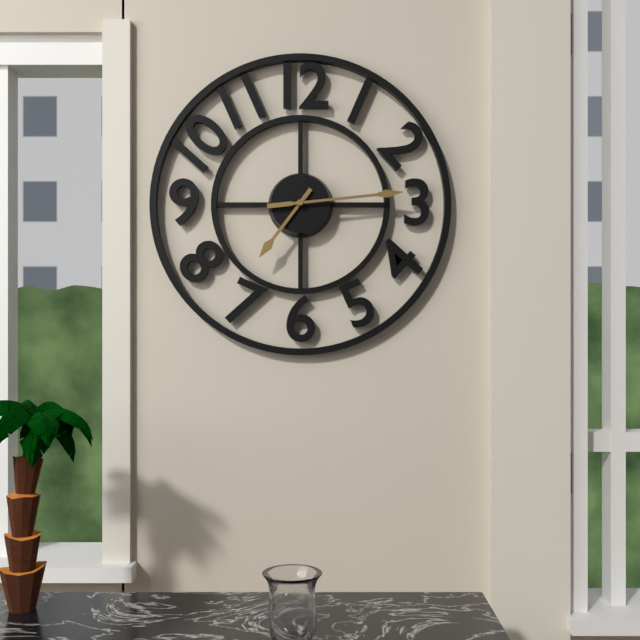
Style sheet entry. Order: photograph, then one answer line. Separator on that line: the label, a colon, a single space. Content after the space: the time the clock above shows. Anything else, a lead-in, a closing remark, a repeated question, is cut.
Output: 7:14
